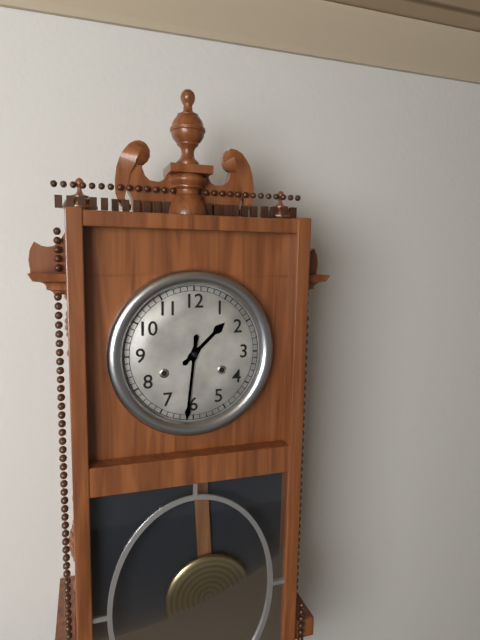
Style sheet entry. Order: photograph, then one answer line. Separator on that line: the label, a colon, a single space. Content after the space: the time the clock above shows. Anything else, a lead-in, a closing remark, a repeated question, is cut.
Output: 1:31
